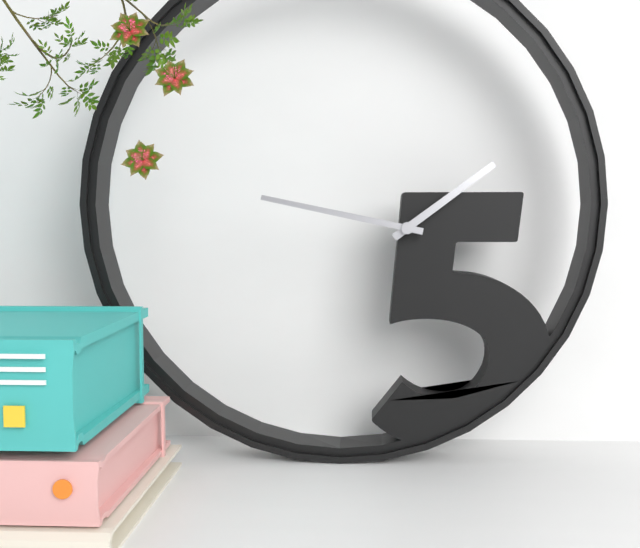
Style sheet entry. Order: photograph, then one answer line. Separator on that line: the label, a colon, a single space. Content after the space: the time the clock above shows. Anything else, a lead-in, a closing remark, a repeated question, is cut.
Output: 1:47
